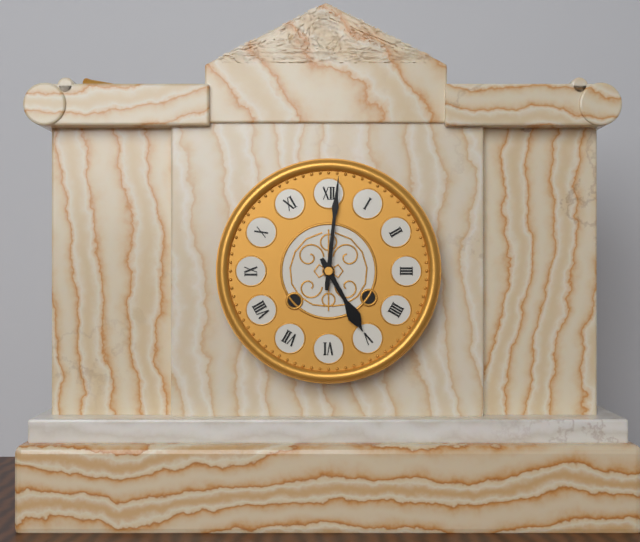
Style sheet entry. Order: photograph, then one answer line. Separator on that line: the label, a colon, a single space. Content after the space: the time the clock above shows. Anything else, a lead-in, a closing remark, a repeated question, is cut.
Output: 5:01
